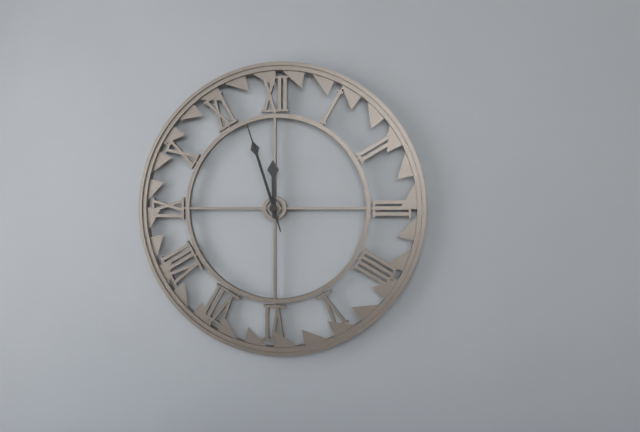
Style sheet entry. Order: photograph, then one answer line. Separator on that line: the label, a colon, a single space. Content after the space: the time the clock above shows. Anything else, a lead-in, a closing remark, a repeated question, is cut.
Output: 11:57:57
